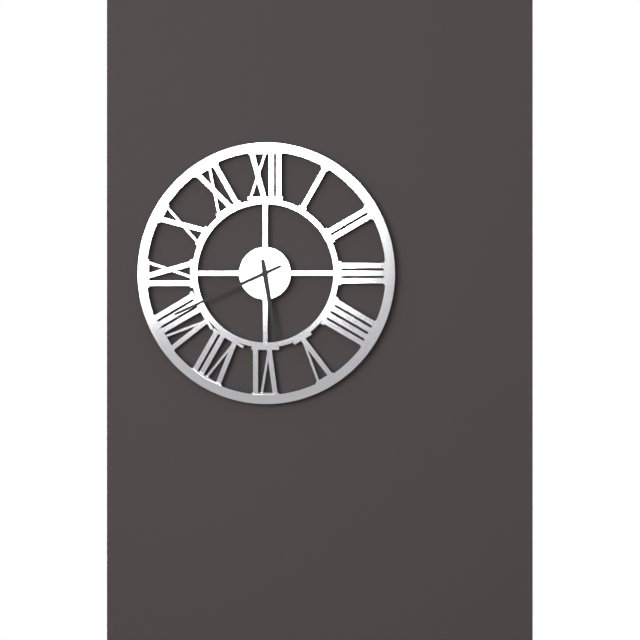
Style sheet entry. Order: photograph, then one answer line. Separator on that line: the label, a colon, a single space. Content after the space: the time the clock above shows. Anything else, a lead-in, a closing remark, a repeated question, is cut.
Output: 5:41
